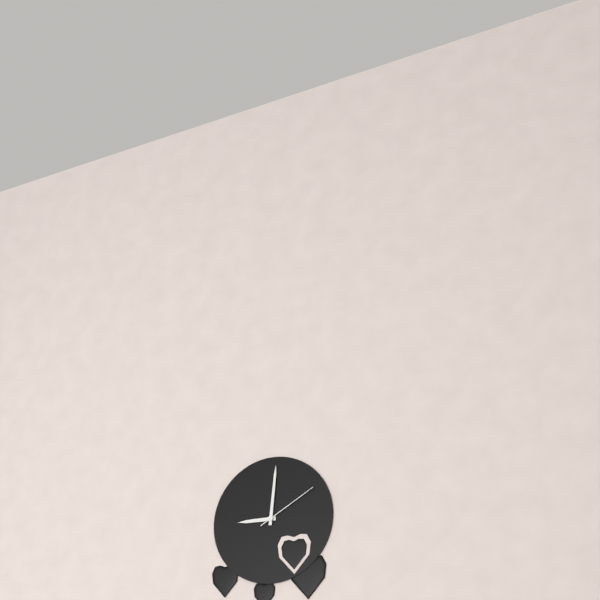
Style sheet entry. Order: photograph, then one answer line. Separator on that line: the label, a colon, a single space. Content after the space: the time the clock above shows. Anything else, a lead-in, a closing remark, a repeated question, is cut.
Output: 9:01:10
